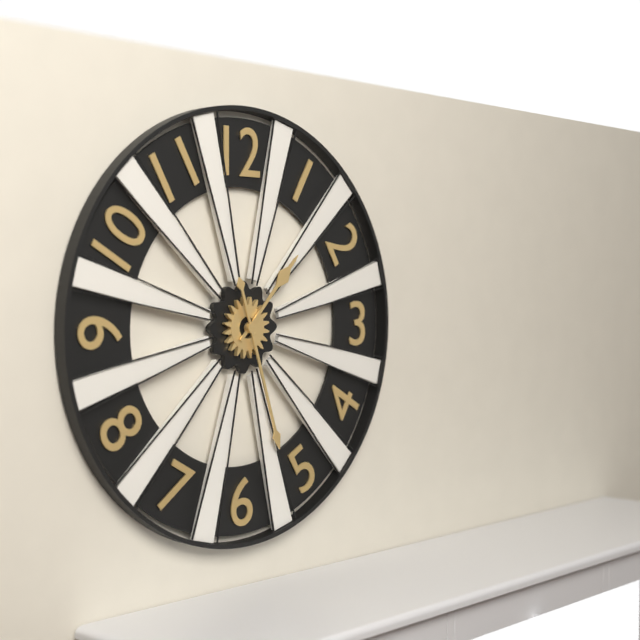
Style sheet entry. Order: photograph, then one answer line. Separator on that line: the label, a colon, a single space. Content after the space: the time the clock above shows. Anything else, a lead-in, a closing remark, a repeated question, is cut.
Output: 1:27
